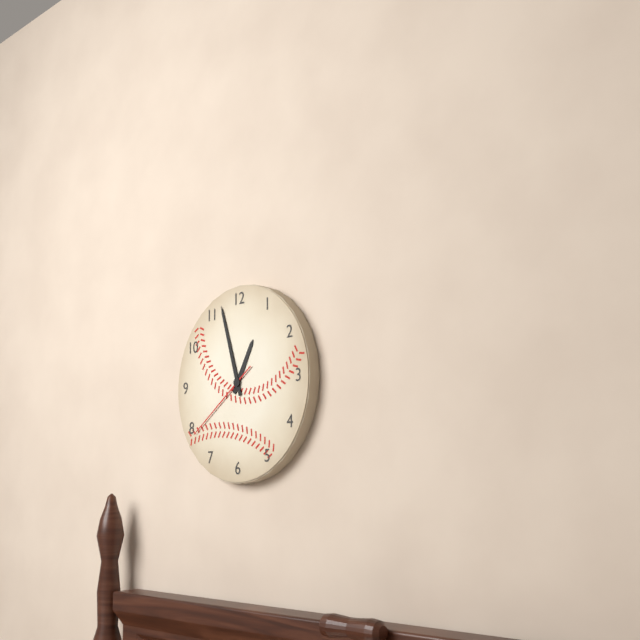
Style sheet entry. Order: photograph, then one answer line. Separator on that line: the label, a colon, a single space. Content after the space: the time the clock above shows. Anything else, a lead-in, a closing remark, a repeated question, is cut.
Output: 12:57:39
